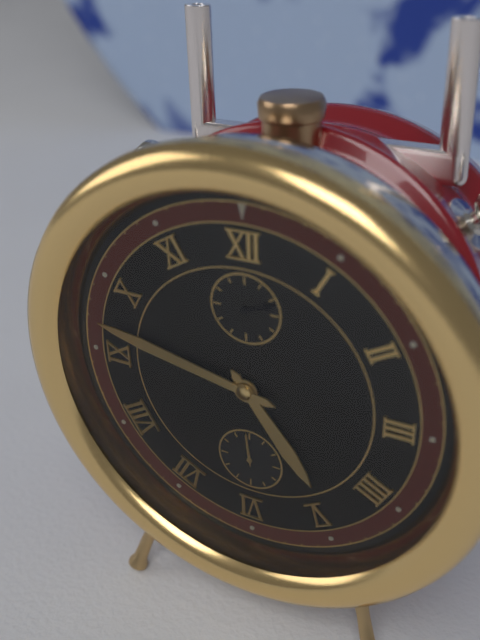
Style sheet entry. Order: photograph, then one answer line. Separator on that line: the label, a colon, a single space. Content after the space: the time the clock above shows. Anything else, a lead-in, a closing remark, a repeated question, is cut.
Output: 4:47:59
